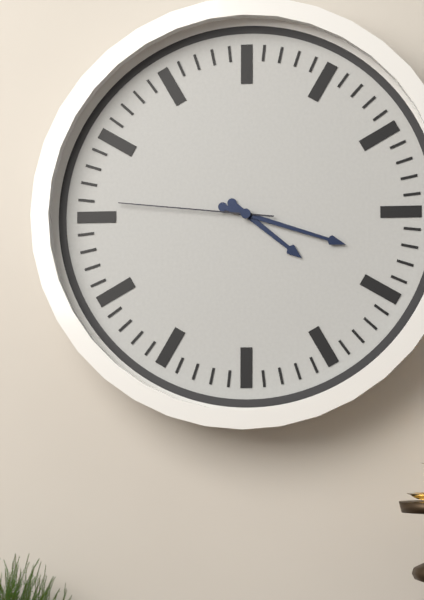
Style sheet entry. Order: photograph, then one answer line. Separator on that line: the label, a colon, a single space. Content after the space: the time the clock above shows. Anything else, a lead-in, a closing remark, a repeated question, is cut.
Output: 4:18:46
